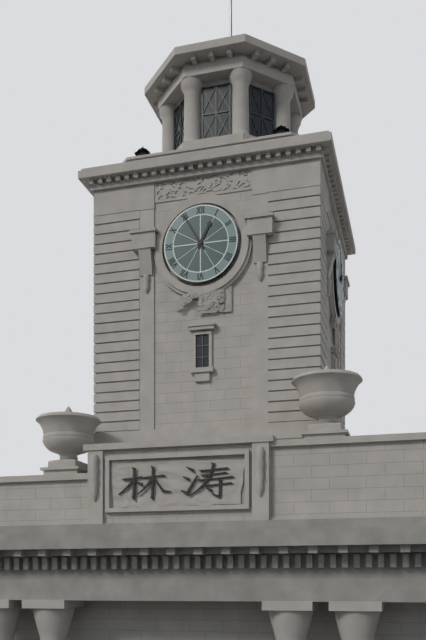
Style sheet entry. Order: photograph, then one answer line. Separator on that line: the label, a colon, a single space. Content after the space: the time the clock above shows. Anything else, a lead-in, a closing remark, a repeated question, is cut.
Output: 12:55
